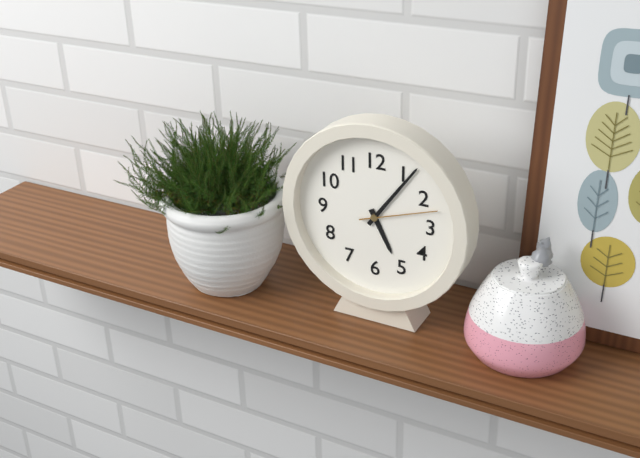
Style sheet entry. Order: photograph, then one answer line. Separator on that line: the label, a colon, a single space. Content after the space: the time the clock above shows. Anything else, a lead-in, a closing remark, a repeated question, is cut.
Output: 5:06:12
